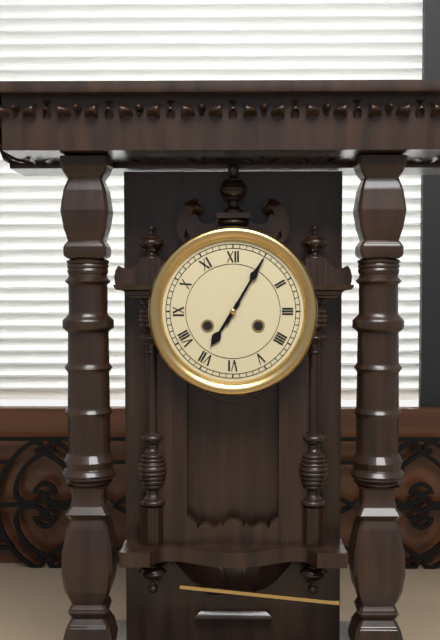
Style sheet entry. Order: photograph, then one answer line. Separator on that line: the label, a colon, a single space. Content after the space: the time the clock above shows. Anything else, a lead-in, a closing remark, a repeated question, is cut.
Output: 7:05
